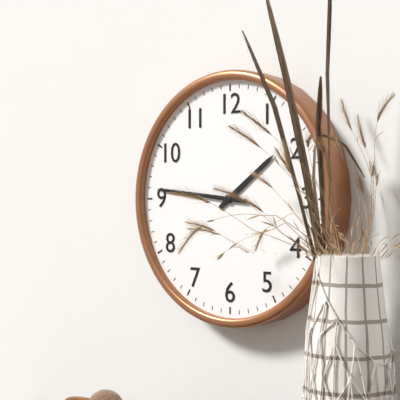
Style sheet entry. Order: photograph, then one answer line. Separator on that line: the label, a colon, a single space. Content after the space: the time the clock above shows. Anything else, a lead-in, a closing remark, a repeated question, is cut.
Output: 1:46
